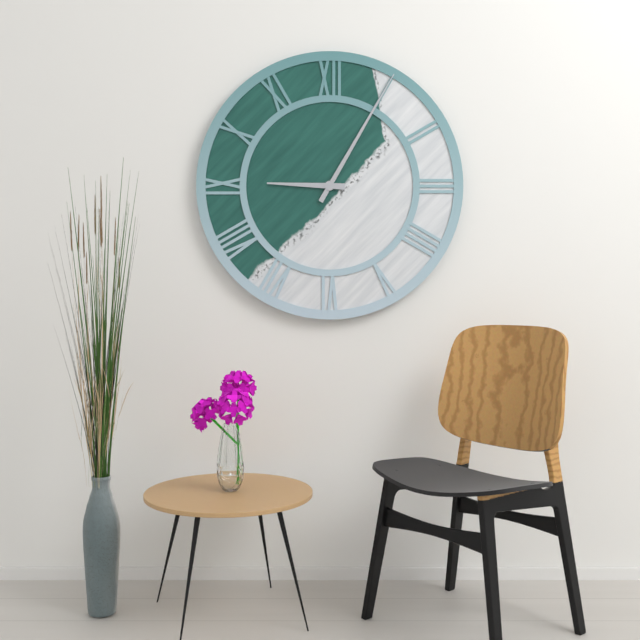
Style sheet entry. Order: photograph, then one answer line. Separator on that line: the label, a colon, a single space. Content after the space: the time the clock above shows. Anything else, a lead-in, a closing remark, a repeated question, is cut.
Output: 9:05
